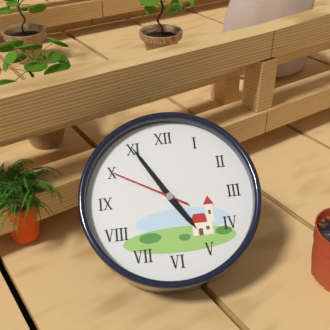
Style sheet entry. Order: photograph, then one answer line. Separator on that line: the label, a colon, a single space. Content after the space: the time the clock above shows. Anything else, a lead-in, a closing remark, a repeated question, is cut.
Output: 4:55:50
